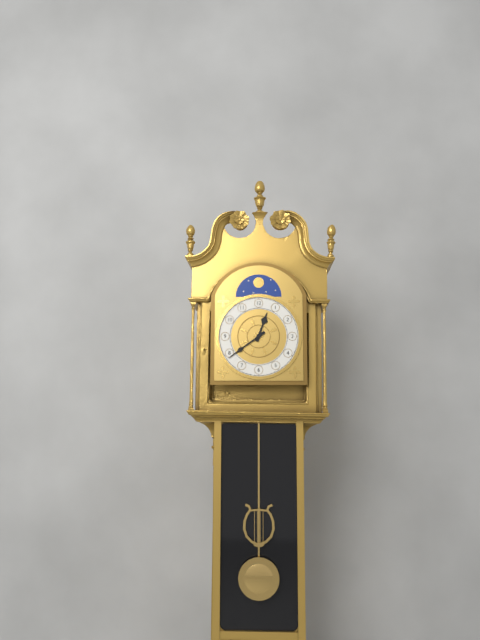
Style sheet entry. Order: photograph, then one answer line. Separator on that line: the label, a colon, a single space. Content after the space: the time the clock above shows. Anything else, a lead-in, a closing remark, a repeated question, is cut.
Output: 12:39
